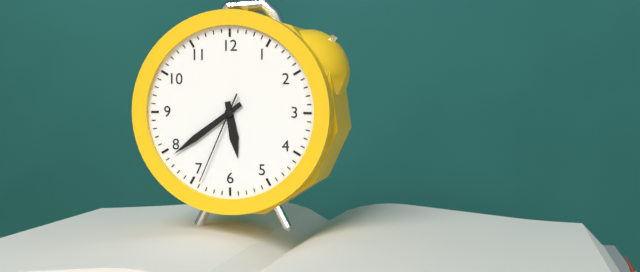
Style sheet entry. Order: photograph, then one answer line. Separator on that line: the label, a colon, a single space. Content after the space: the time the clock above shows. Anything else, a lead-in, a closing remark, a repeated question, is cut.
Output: 5:39:34
